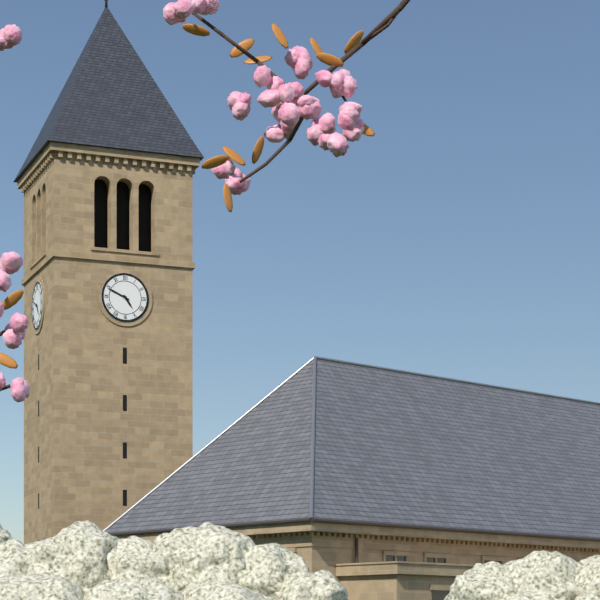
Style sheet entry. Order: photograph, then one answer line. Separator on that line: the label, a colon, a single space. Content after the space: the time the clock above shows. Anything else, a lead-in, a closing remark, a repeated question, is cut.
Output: 4:49
